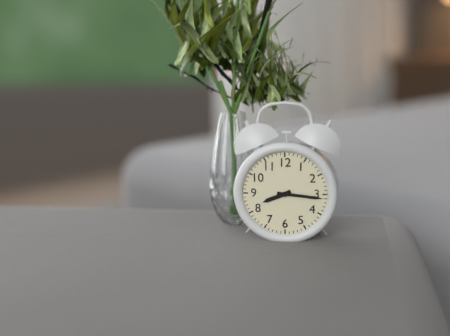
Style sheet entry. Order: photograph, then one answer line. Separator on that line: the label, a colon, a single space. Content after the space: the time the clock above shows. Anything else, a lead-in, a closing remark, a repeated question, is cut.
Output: 8:16
